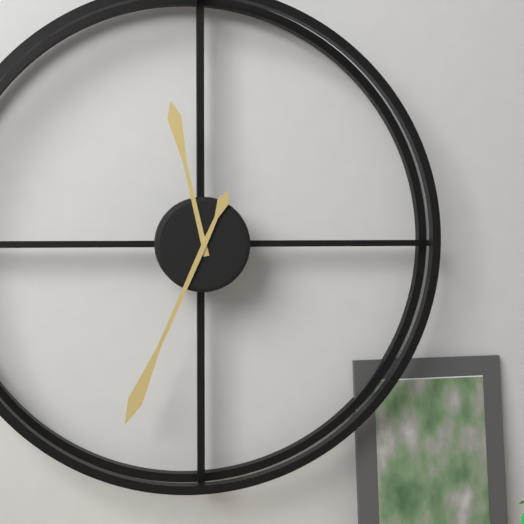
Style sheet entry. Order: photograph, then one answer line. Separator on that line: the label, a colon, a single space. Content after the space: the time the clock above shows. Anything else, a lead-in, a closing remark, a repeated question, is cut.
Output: 11:34
